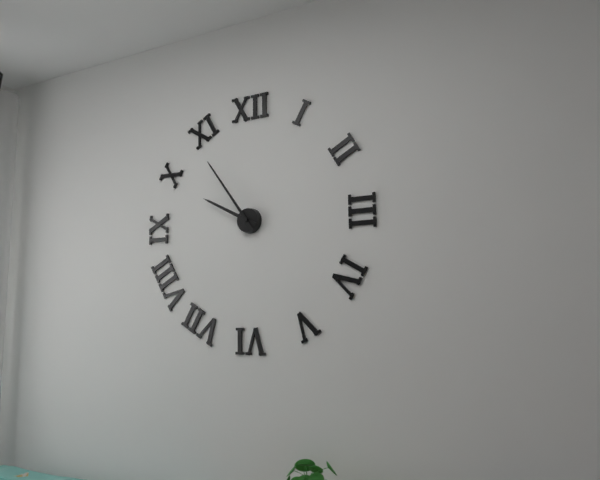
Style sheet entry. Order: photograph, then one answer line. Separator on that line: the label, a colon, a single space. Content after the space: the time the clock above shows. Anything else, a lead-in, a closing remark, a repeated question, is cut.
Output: 9:54
